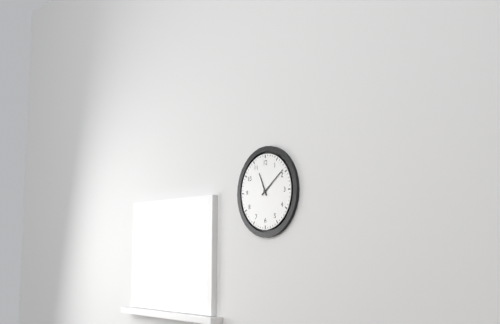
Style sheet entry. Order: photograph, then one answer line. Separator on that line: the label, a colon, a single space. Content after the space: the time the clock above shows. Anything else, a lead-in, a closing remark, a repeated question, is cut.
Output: 11:09
